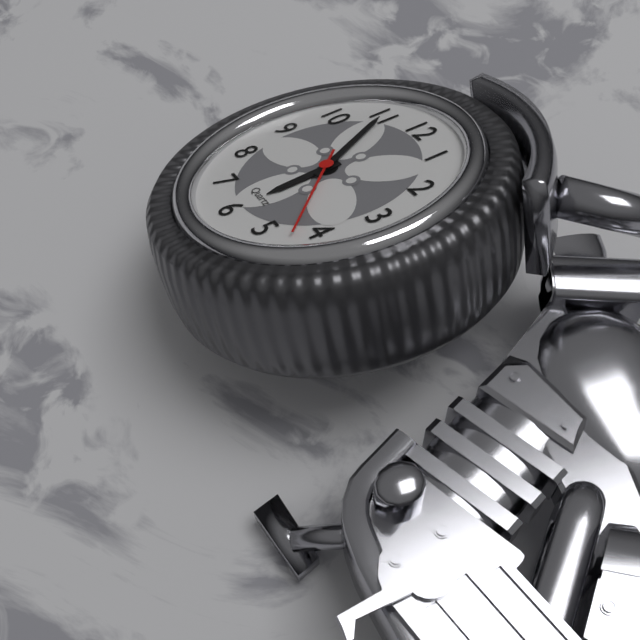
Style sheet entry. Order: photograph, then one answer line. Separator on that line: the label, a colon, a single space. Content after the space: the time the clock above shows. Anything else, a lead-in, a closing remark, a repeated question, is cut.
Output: 5:55:22
